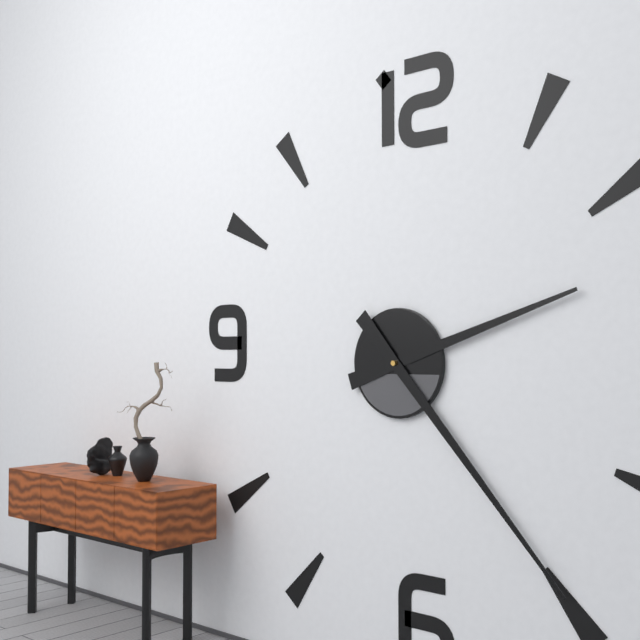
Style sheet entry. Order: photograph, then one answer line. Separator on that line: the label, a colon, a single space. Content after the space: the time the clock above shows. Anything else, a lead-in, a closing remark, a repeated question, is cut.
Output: 2:23
